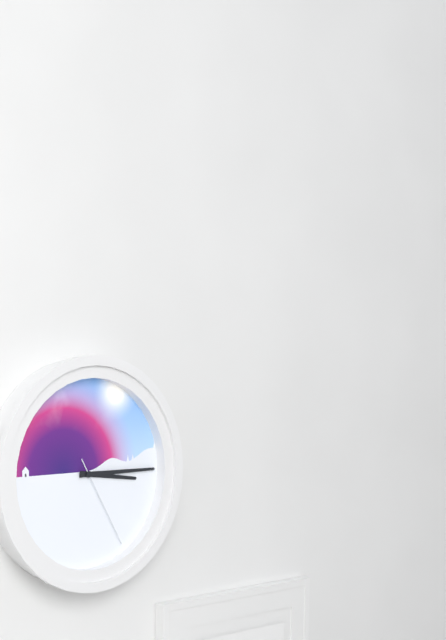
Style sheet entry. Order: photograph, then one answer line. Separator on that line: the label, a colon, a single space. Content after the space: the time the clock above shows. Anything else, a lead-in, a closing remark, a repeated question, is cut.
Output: 3:15:25
